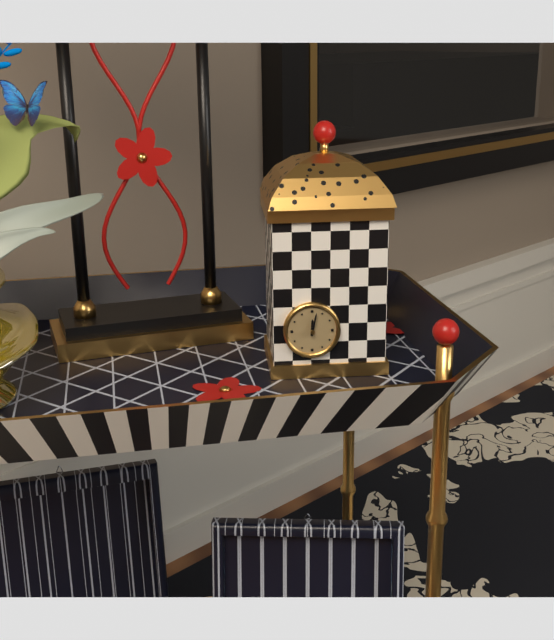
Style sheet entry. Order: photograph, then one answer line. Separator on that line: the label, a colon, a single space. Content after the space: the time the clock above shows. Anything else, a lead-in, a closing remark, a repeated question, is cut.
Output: 12:02
